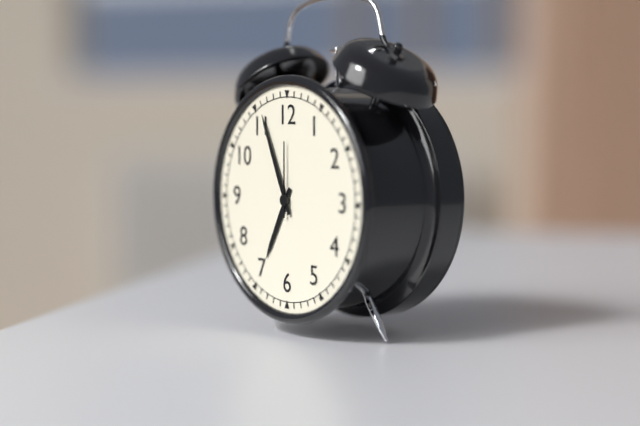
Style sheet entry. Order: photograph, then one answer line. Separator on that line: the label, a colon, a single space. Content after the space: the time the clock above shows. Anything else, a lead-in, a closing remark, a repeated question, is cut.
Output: 6:56:00
